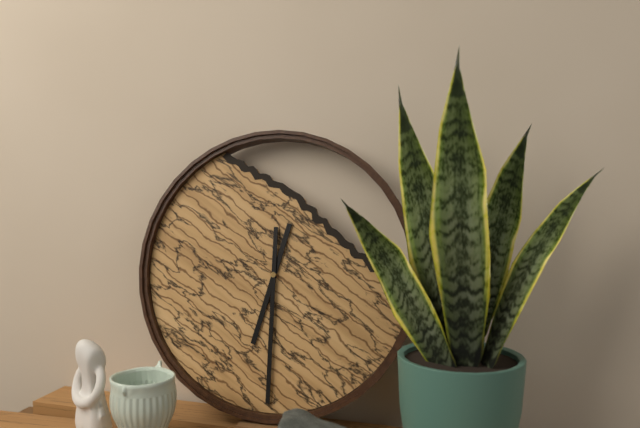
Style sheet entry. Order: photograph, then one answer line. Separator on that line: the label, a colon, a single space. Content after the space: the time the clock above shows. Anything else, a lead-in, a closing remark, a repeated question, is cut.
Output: 6:30
